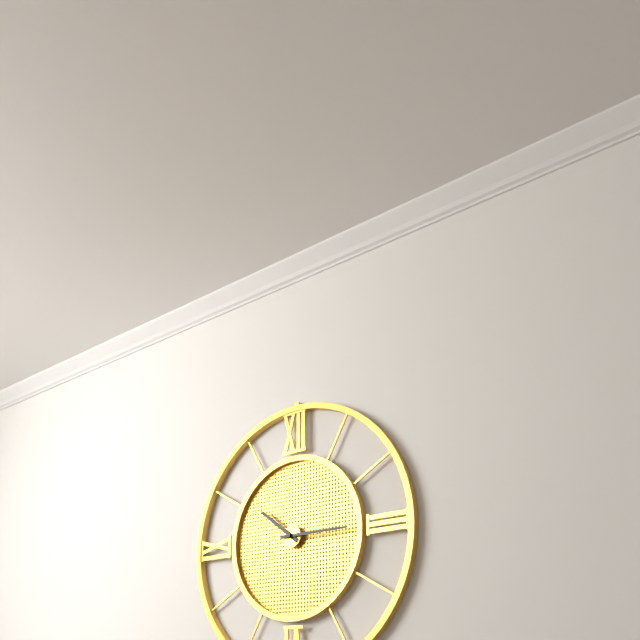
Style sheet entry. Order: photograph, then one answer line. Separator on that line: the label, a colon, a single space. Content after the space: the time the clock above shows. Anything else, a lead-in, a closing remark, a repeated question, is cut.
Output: 10:15
